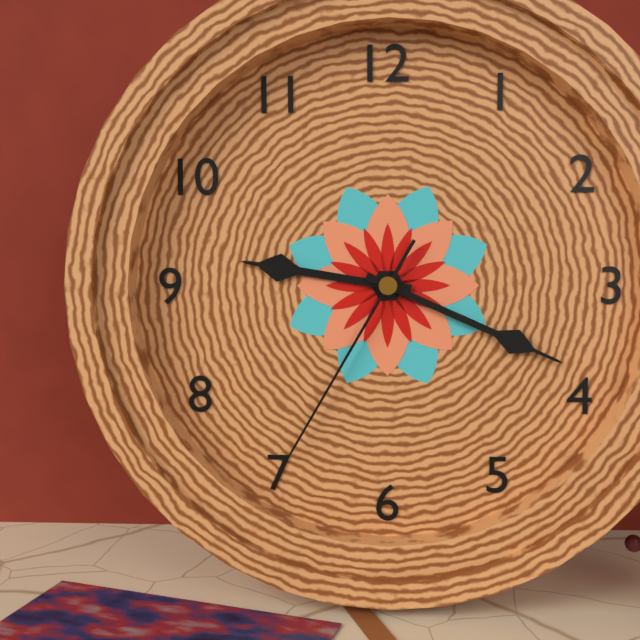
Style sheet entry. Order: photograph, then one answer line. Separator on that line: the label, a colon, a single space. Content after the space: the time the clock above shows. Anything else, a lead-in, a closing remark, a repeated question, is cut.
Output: 9:19:35
